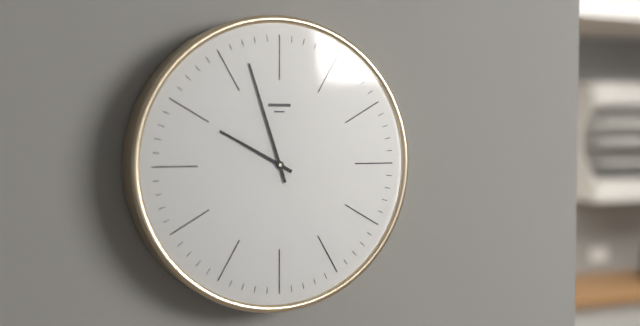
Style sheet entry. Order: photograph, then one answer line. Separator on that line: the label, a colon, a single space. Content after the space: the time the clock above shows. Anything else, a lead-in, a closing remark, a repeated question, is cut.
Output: 9:57
